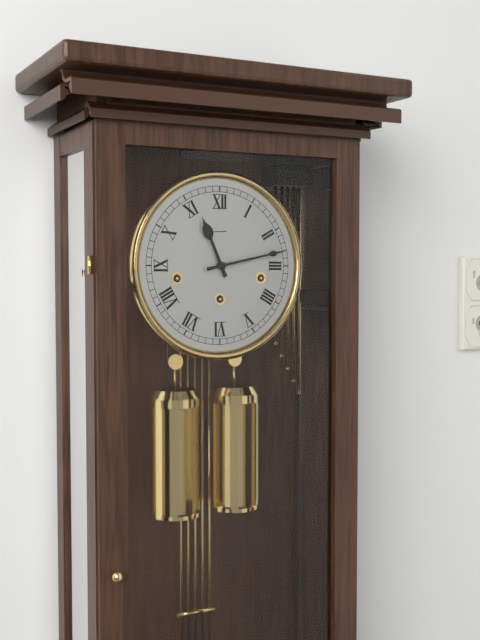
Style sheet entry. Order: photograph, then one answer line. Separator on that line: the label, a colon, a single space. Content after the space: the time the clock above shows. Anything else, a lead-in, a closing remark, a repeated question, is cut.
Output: 11:13
